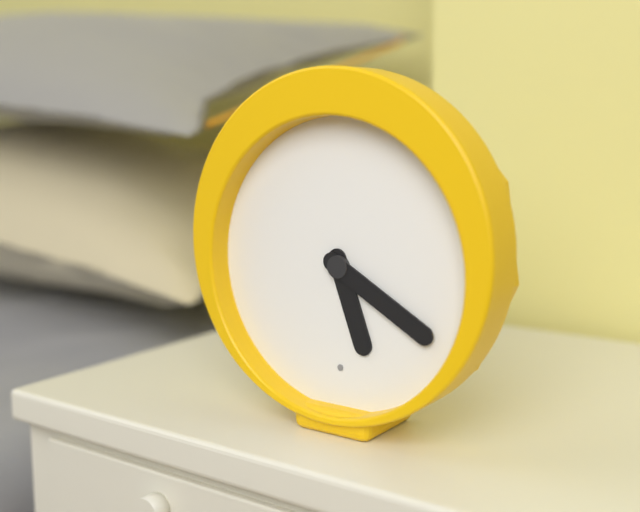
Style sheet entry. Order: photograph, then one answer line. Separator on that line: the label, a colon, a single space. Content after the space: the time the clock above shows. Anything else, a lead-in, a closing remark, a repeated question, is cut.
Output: 5:20
